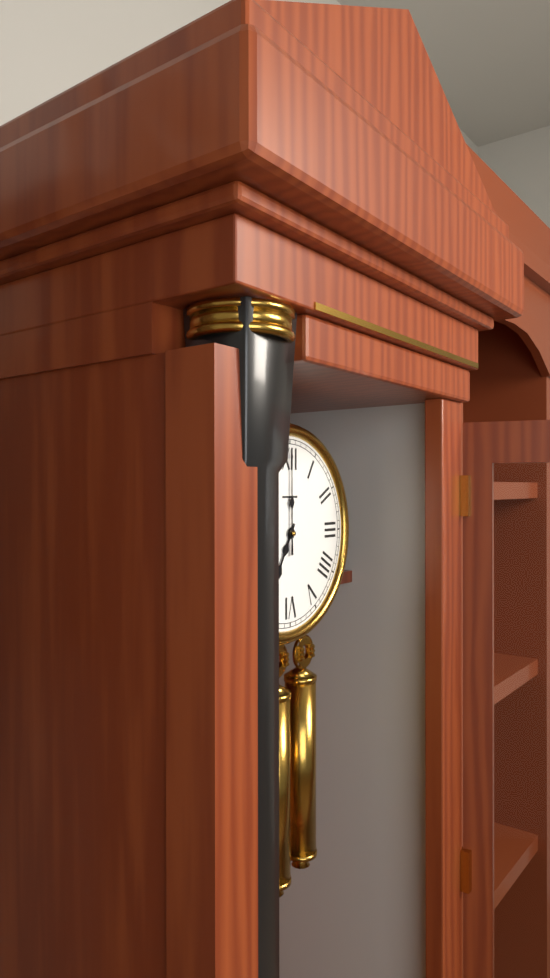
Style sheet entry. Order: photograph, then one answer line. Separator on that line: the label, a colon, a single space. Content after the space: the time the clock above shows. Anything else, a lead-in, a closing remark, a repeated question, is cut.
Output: 7:00
